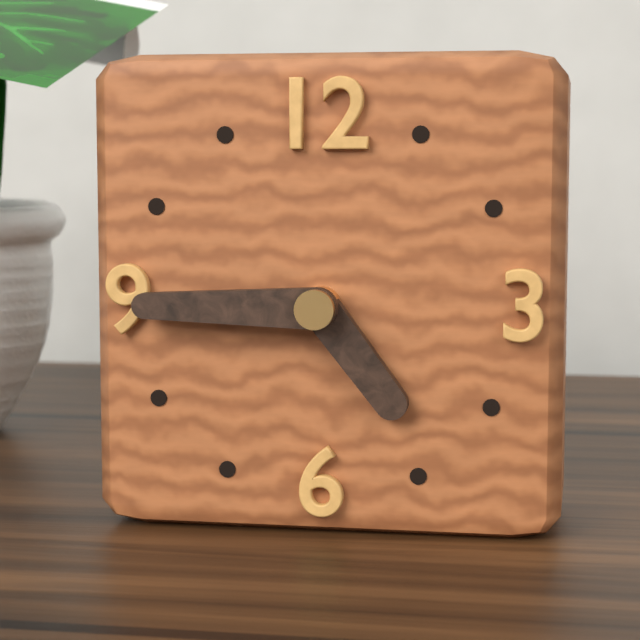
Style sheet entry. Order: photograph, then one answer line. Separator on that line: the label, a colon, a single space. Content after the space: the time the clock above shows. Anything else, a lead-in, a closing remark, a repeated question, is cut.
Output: 4:45
